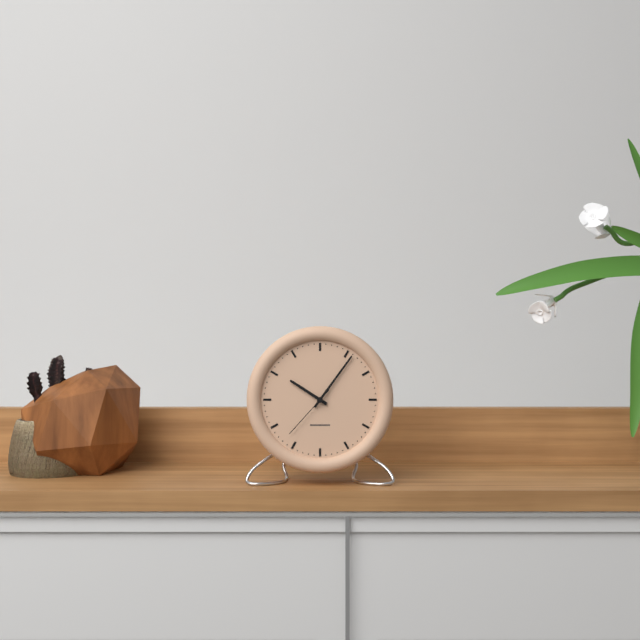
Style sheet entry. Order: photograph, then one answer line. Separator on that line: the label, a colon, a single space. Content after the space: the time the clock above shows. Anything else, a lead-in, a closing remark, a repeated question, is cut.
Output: 10:06:37
